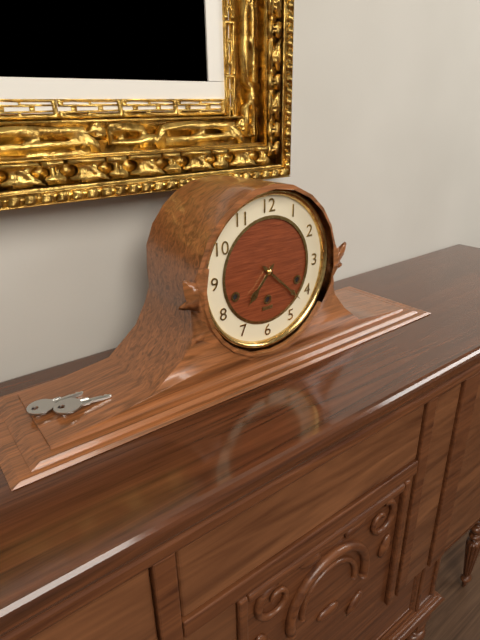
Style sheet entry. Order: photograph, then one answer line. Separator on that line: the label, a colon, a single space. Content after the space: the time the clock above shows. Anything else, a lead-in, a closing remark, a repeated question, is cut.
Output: 7:22
